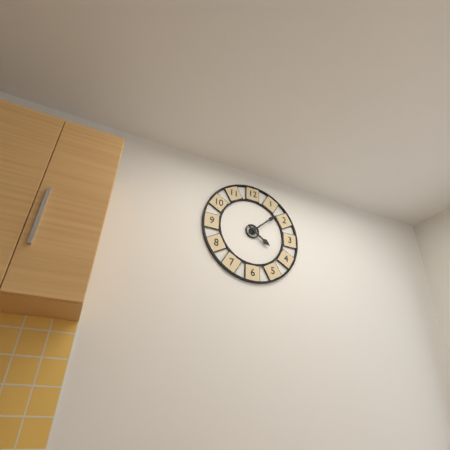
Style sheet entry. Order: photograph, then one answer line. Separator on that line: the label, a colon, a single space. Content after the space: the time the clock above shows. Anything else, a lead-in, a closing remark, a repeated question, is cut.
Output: 4:08
